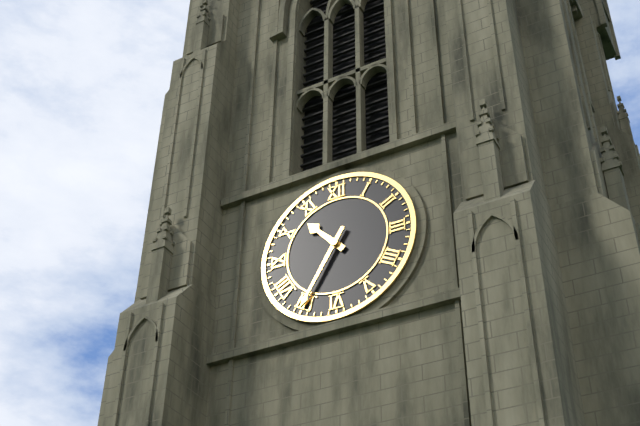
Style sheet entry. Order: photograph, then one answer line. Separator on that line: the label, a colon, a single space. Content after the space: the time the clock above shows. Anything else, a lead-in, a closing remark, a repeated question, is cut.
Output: 10:35
